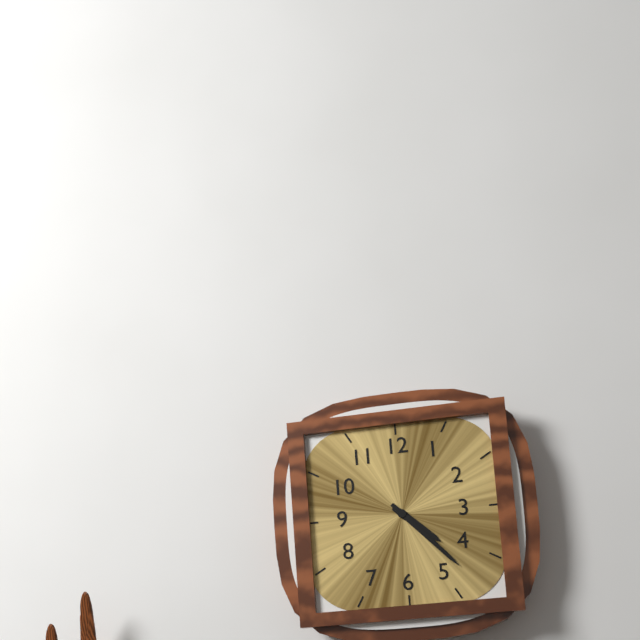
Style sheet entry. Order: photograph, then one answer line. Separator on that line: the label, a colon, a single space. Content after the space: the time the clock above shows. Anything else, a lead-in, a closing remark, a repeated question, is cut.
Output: 4:23
